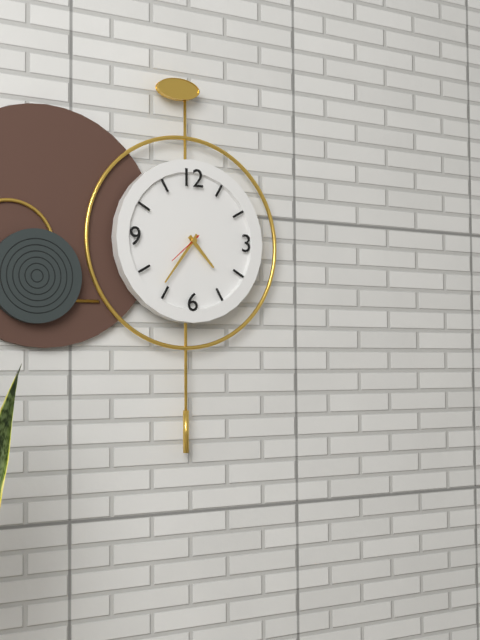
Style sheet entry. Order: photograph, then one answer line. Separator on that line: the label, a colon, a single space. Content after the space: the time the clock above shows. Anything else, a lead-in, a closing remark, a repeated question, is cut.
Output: 4:36
